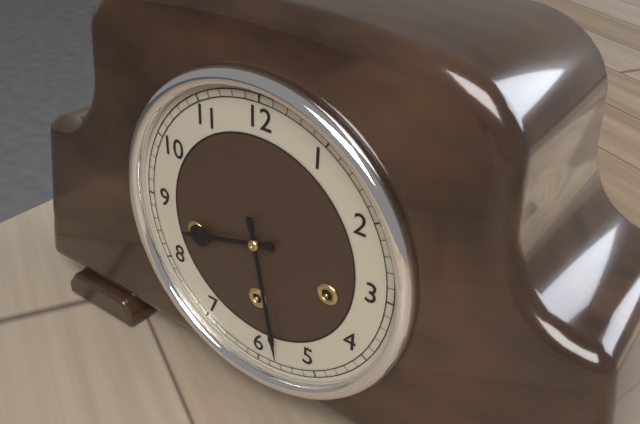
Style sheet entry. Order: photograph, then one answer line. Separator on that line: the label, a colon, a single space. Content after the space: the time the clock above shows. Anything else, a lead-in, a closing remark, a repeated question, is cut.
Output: 8:28
